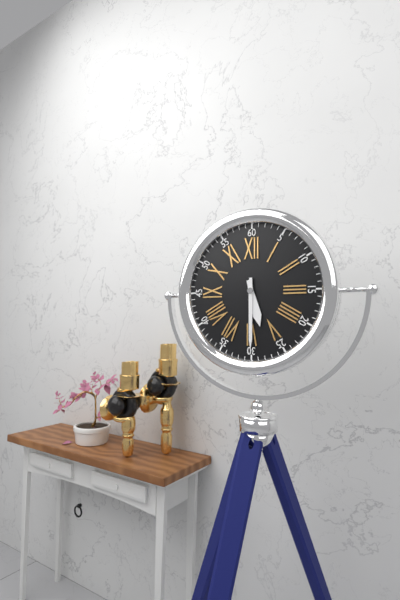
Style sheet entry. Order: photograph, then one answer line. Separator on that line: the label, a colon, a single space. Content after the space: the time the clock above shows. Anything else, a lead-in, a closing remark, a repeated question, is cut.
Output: 5:30
